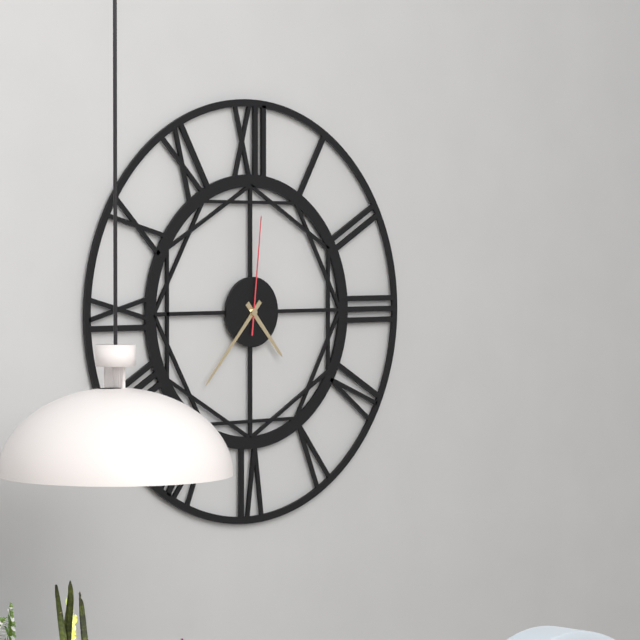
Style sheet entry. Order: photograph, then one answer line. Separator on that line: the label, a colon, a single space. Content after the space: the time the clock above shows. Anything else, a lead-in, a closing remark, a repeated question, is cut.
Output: 4:37:01
